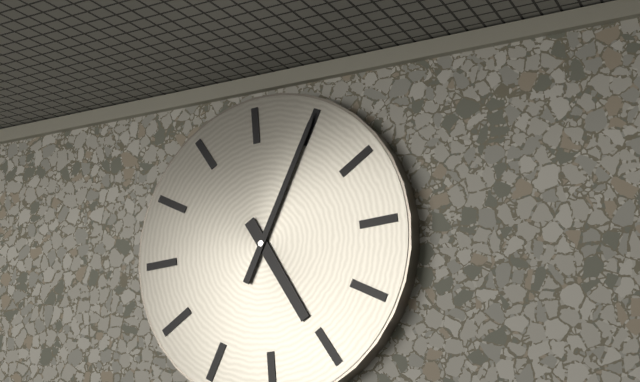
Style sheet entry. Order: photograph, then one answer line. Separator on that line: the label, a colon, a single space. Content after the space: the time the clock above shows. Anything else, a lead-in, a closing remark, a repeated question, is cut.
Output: 5:05
